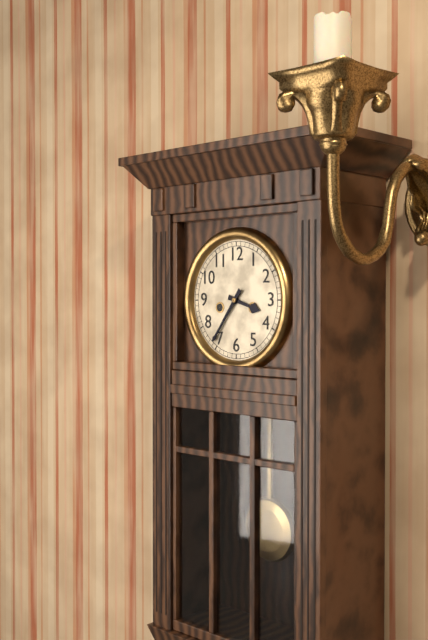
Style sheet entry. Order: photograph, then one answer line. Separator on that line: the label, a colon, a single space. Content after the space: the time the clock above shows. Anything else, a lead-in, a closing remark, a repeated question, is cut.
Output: 3:36
